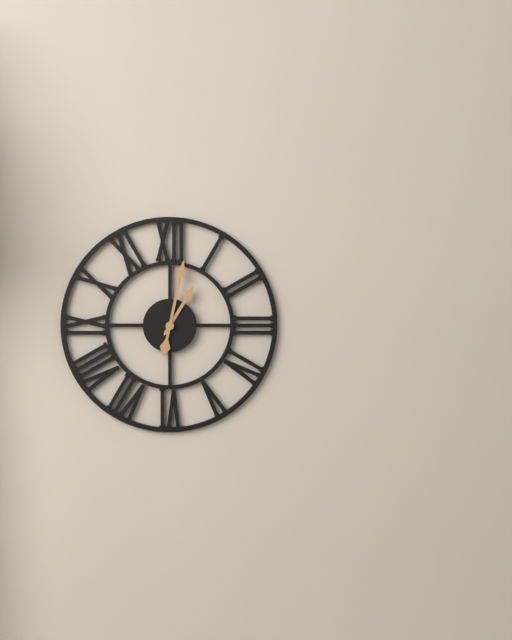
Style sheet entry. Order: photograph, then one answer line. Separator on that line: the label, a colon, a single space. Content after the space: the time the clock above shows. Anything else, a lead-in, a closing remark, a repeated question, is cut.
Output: 1:02
